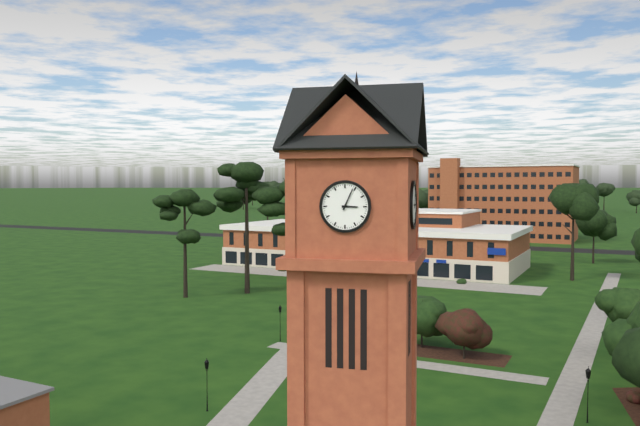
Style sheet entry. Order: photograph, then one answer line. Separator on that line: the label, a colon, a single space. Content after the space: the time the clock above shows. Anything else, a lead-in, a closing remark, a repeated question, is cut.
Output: 3:04
